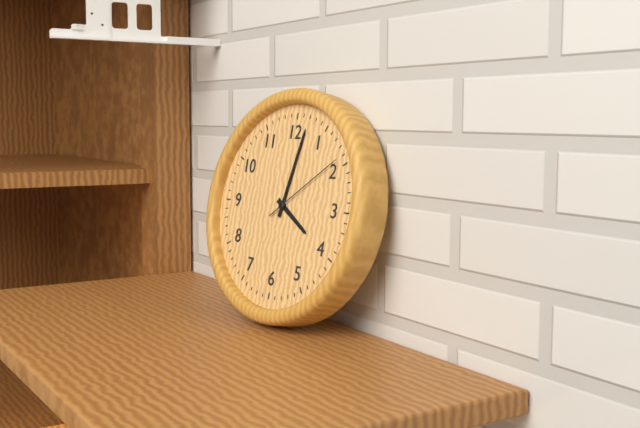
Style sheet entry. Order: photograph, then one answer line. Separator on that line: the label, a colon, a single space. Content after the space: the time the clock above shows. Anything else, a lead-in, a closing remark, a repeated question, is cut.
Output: 4:02:09
